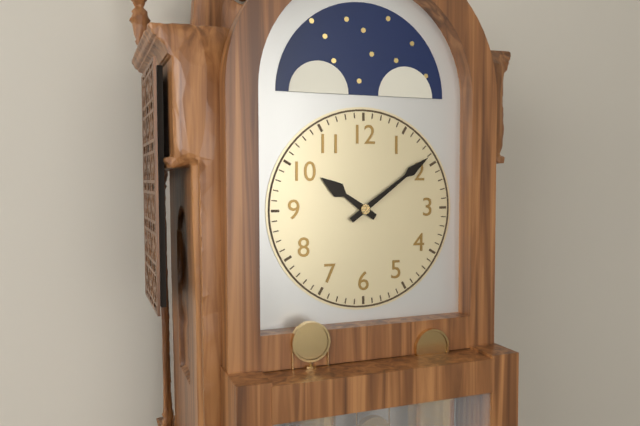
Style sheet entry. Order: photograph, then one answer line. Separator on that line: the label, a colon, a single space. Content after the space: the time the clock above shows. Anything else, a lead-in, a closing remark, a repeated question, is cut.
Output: 10:09
